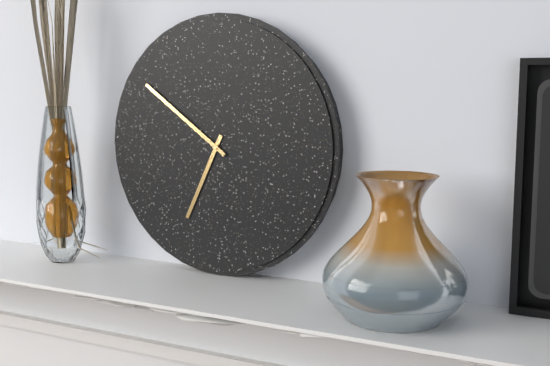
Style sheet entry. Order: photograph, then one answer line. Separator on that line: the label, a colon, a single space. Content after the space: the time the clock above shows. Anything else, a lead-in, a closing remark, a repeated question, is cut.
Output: 6:51
